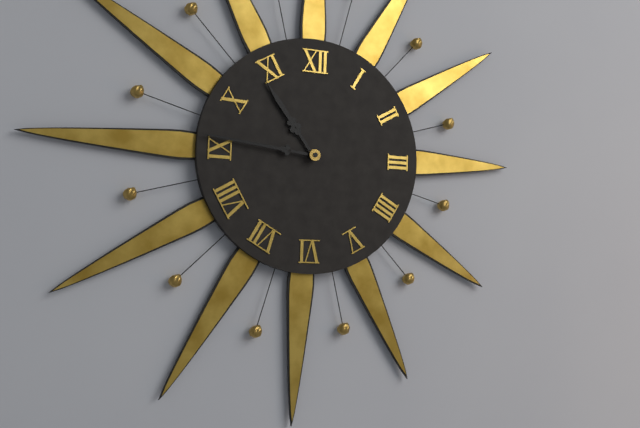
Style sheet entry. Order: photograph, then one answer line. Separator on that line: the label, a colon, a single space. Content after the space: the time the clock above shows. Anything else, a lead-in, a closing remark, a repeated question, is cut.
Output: 10:46
